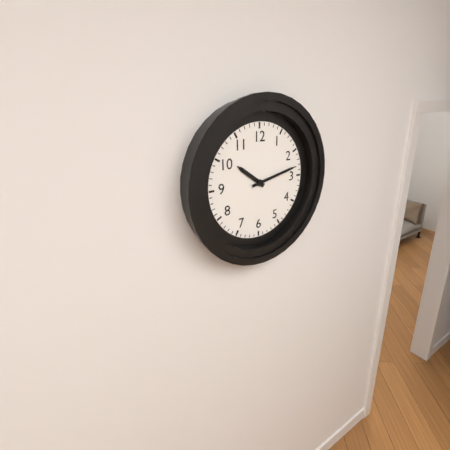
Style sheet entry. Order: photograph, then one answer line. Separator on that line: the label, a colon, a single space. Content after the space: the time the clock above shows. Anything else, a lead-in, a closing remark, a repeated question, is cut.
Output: 10:13
